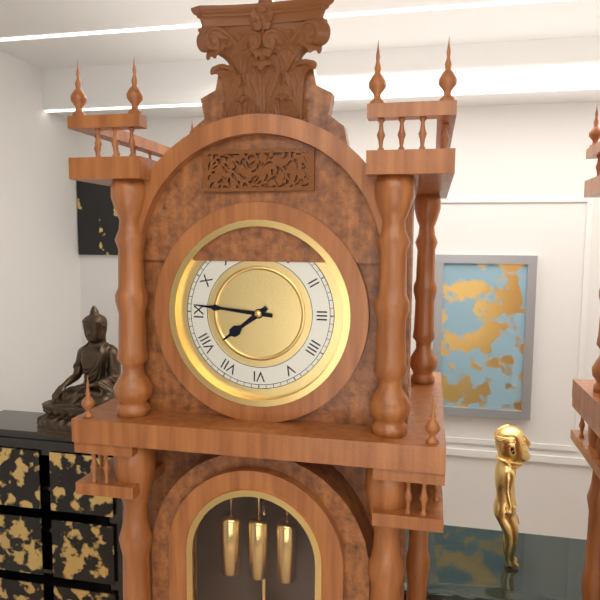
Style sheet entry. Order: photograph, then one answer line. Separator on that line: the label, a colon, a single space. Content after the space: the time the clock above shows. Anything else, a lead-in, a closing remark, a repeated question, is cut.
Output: 7:46
